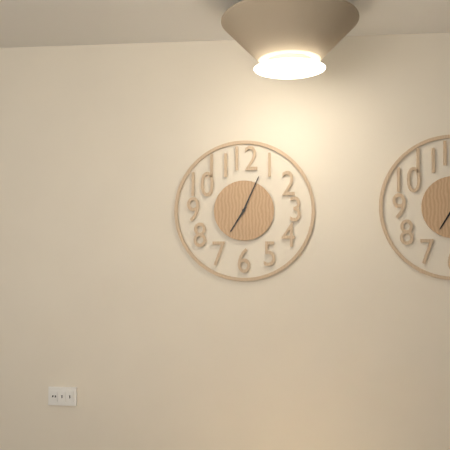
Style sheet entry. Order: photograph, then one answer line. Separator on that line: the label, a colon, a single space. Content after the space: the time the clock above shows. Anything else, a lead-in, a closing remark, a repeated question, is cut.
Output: 7:04
